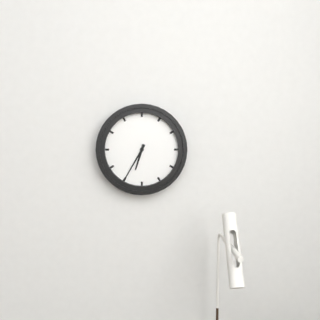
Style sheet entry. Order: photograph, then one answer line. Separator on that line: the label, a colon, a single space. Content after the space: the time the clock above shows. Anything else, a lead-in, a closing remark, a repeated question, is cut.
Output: 6:35
